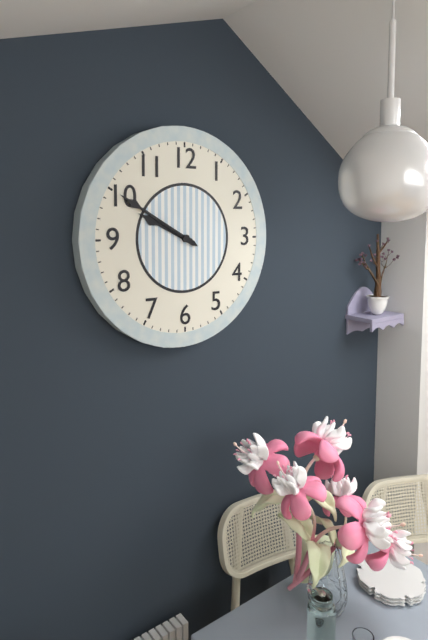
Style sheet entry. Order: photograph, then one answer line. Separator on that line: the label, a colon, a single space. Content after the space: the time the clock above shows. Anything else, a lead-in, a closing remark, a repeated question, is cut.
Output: 9:50
